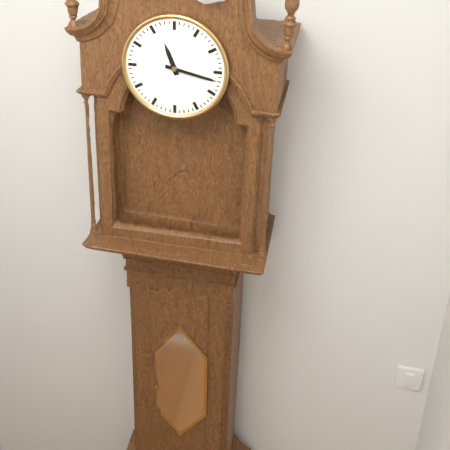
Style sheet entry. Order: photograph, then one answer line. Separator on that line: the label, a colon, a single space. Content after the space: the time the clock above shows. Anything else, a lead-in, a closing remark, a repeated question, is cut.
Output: 11:17
